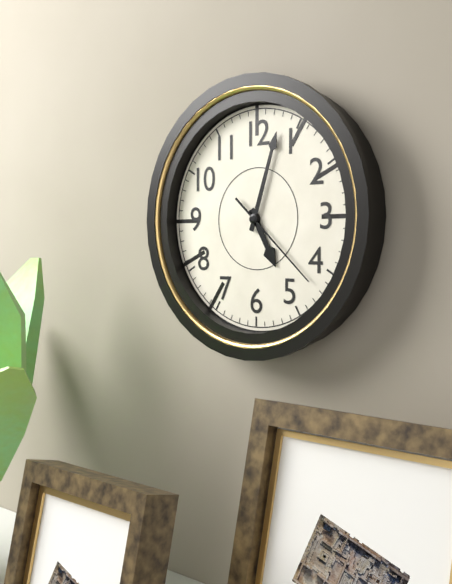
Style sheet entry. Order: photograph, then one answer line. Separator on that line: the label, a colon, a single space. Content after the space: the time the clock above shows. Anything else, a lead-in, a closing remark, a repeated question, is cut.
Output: 5:03:22
